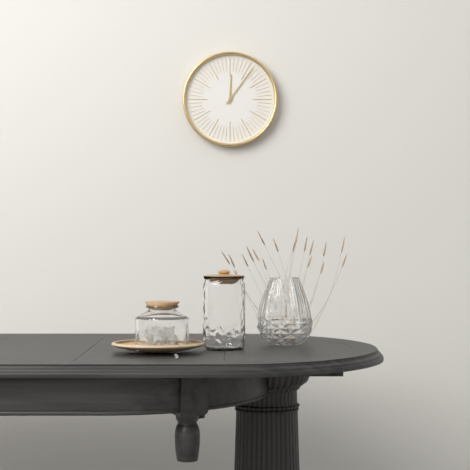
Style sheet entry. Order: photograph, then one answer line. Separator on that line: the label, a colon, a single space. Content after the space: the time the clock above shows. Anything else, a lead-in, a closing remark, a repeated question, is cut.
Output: 12:06
